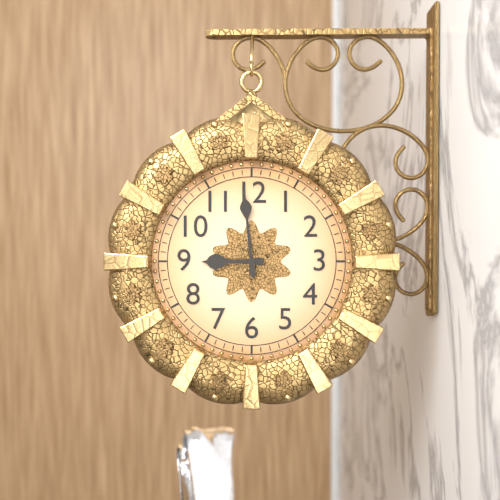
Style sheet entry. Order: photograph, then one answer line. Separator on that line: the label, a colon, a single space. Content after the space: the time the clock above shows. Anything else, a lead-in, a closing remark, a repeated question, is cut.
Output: 8:59
